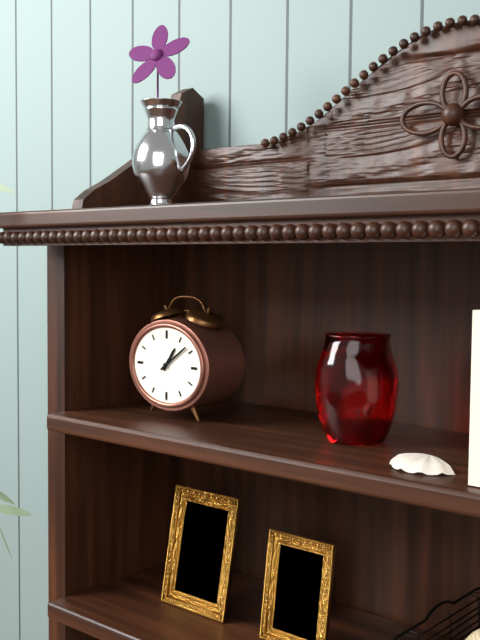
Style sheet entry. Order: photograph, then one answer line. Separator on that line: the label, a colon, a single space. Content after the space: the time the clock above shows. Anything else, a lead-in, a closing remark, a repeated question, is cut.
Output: 1:09
